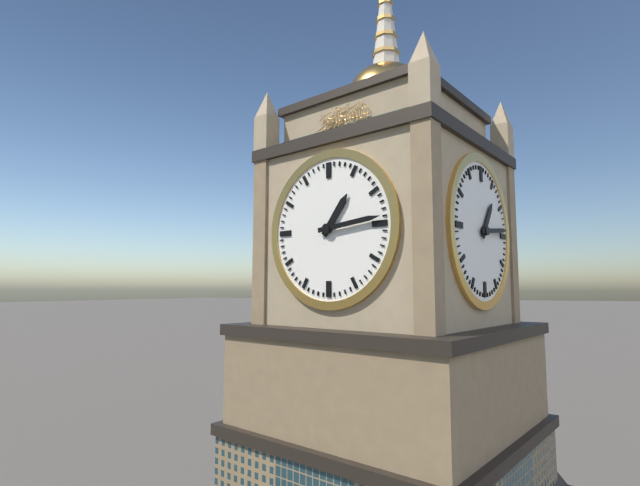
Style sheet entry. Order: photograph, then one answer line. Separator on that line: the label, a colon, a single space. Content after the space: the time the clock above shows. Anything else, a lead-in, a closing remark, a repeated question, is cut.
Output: 1:14
